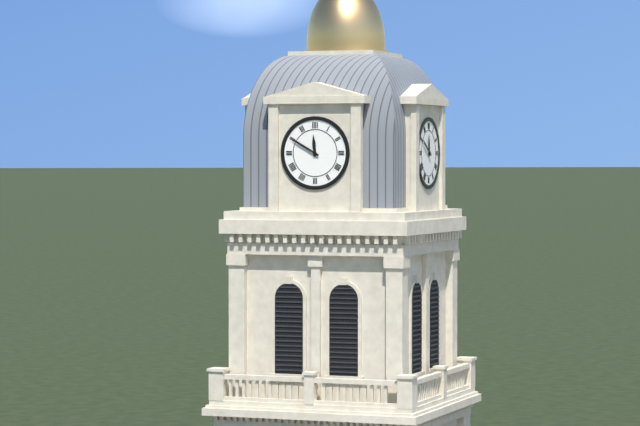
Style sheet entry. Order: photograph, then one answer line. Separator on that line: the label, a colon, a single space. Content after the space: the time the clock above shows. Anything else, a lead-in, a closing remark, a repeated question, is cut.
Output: 11:50
